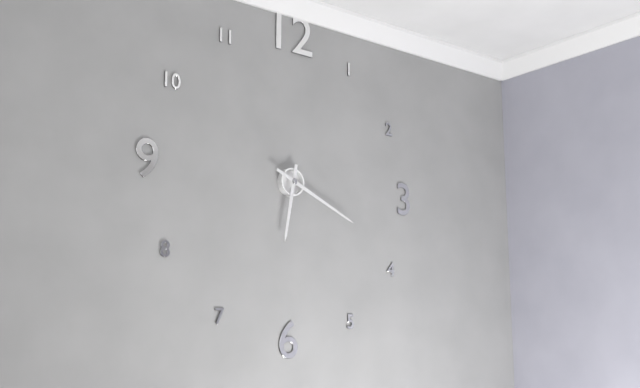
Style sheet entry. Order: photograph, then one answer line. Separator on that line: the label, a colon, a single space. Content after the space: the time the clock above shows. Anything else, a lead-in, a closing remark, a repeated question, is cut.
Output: 6:19
